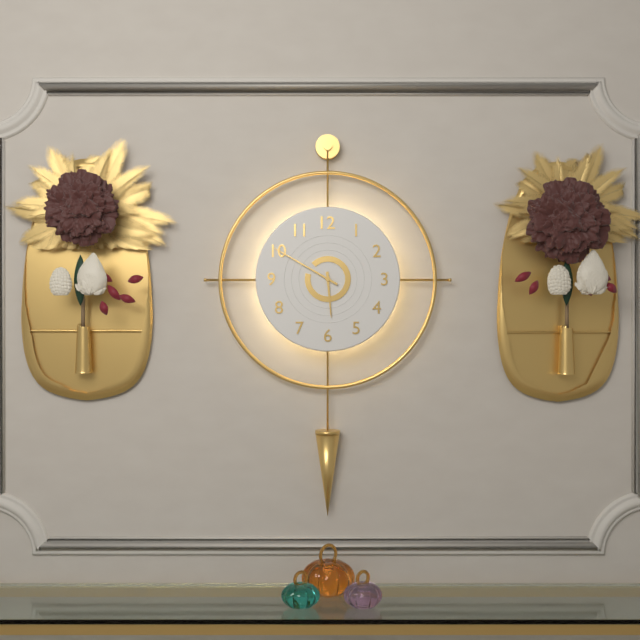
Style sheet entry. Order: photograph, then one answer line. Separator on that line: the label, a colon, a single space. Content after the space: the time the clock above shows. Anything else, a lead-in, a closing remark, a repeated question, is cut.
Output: 5:50
